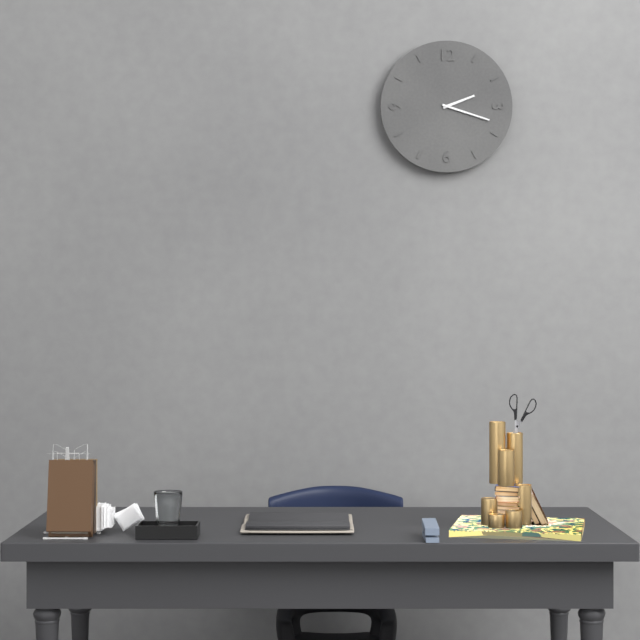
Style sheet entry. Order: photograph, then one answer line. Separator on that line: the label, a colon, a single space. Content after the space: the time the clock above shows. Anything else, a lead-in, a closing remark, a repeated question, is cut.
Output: 2:18
